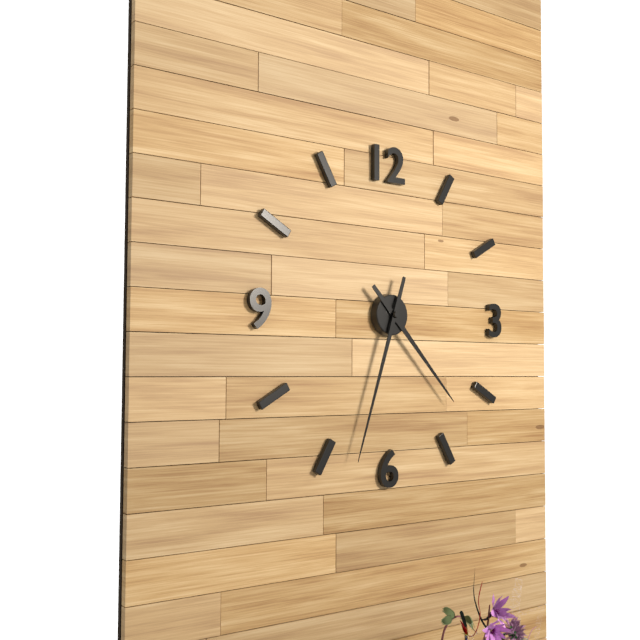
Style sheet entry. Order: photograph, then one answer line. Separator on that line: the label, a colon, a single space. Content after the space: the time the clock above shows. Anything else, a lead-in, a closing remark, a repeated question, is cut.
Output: 4:33
